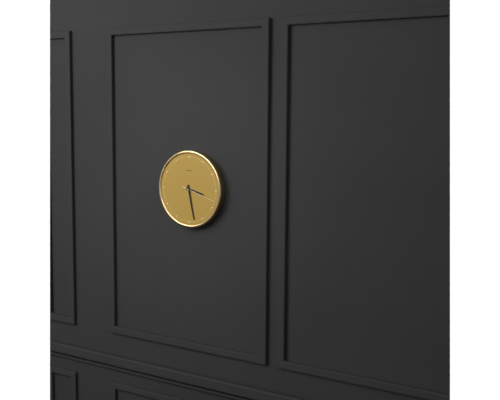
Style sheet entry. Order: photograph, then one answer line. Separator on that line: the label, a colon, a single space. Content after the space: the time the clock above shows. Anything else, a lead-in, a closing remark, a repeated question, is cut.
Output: 3:28
